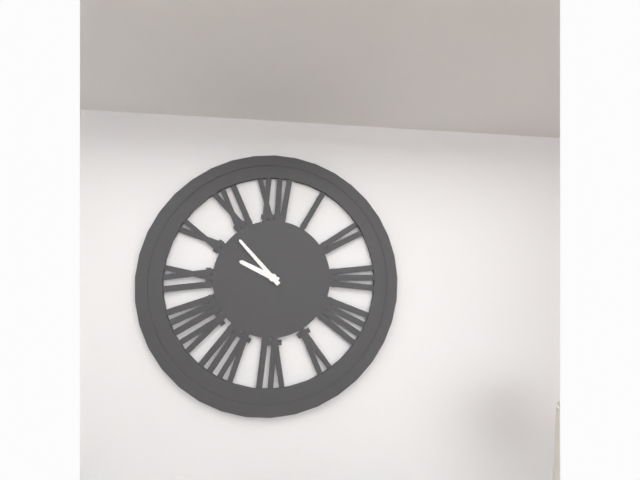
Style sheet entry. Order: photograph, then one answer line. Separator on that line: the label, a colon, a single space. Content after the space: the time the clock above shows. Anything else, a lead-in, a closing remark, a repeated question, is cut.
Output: 9:53
